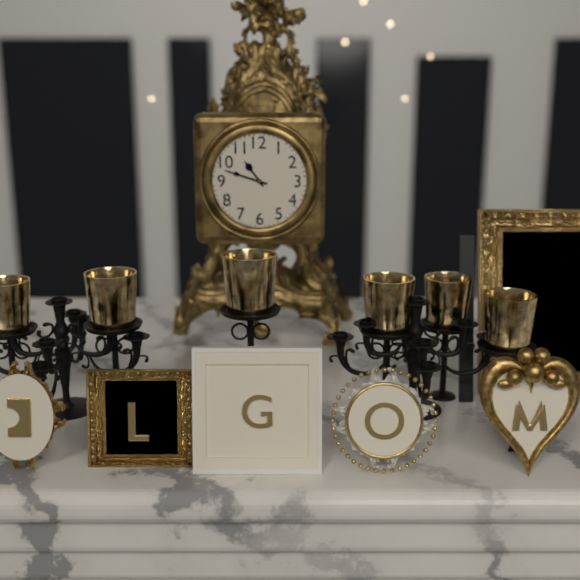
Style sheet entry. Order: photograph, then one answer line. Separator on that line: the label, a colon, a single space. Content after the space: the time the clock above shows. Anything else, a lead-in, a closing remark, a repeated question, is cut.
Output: 10:48
